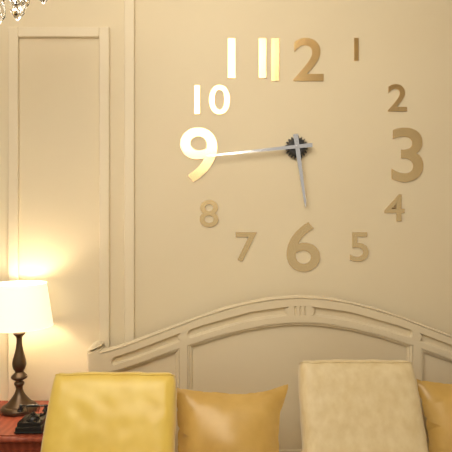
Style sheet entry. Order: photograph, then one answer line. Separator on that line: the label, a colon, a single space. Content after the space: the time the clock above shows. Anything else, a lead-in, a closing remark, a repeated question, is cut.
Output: 5:44
